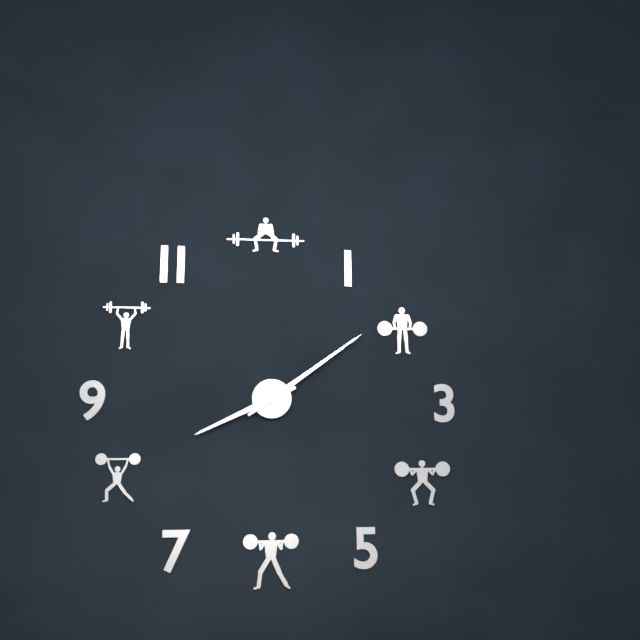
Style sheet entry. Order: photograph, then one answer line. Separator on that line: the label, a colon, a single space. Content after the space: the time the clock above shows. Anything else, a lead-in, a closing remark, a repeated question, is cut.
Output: 8:09
